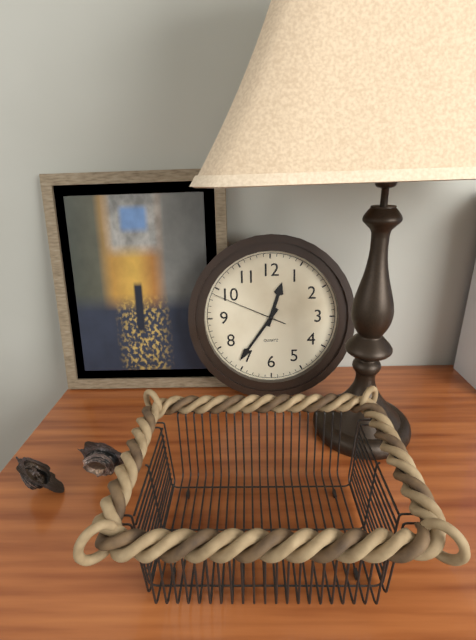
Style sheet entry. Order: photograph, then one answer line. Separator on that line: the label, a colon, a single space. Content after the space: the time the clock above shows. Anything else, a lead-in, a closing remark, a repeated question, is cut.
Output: 12:36:49
